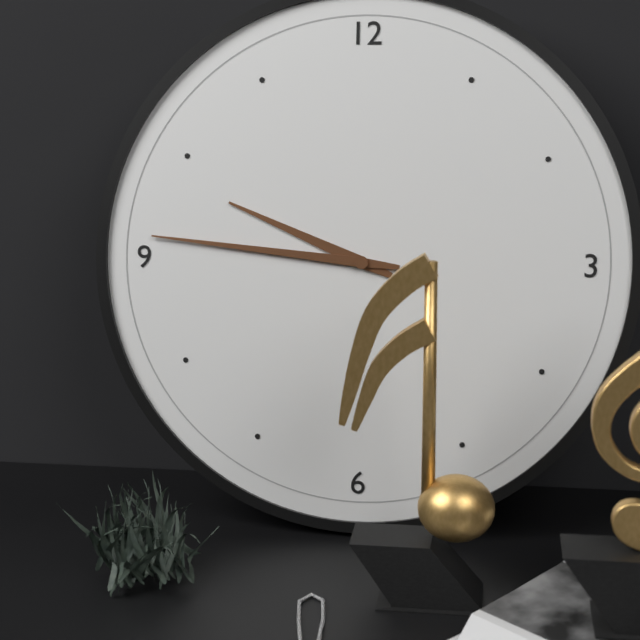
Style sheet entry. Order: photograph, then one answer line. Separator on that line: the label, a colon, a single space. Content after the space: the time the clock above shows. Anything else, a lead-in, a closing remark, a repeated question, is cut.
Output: 9:46
